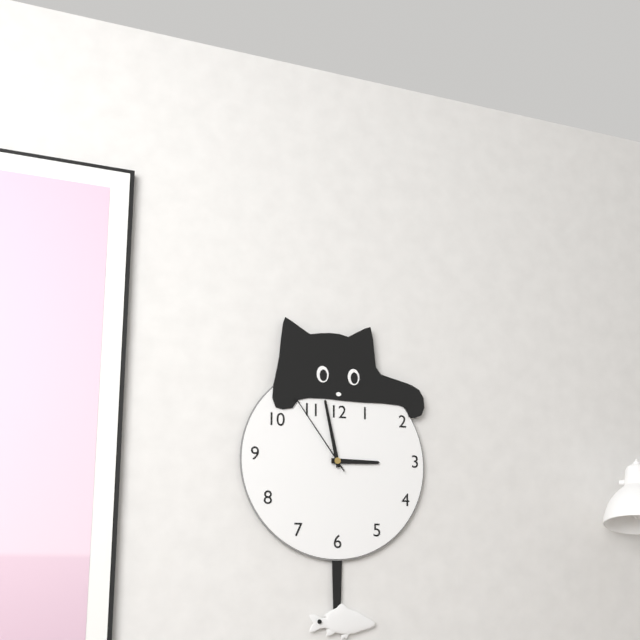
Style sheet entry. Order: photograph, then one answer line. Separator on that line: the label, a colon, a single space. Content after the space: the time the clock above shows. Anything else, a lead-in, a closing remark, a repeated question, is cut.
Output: 2:58:54
